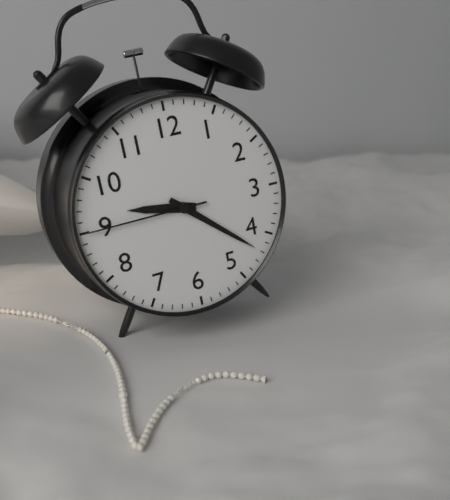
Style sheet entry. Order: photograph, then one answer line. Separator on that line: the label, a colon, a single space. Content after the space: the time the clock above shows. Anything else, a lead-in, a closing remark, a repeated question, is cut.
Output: 9:22:45
